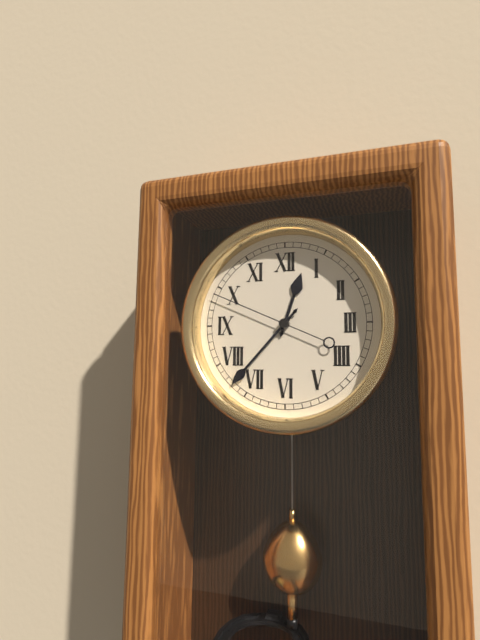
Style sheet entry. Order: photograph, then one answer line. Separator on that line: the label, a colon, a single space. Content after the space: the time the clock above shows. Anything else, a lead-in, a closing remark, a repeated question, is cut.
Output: 12:37:49
